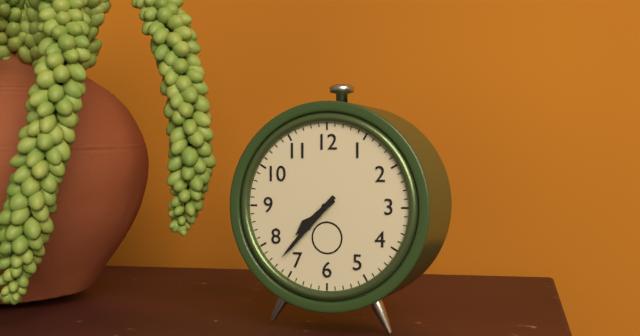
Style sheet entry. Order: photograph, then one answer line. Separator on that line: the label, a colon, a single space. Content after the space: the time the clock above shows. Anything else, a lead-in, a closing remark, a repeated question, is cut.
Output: 7:37
